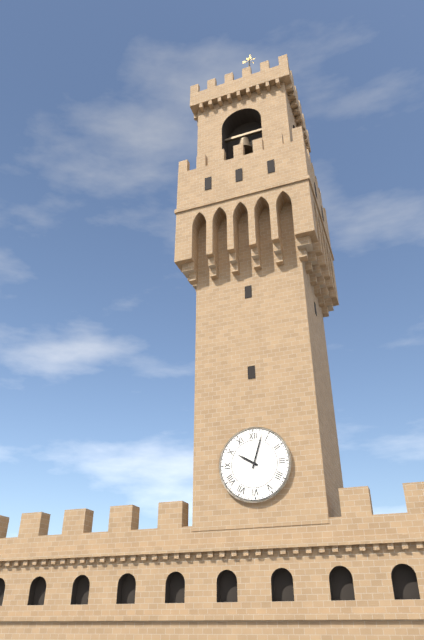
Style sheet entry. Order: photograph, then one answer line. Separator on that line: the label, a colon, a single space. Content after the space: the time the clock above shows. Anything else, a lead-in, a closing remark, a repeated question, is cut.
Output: 10:03
